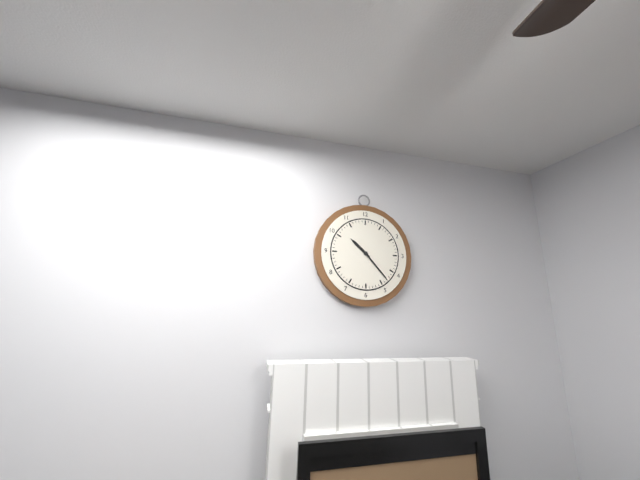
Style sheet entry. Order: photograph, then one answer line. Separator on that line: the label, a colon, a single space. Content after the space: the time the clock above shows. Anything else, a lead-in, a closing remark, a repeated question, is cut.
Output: 10:23
